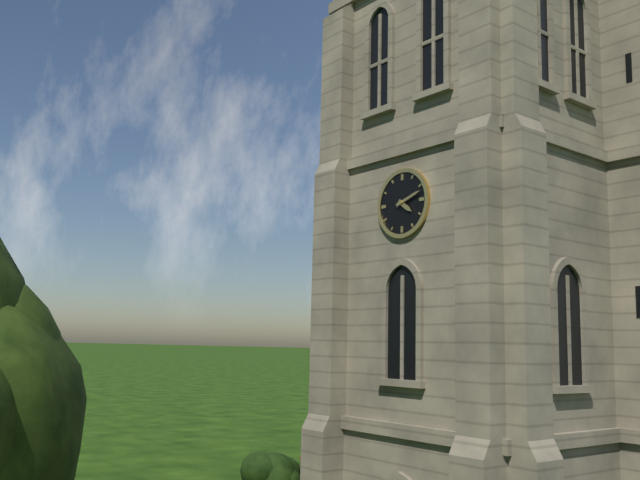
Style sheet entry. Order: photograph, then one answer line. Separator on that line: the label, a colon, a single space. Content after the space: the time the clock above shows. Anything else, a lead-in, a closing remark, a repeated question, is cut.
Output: 4:12
